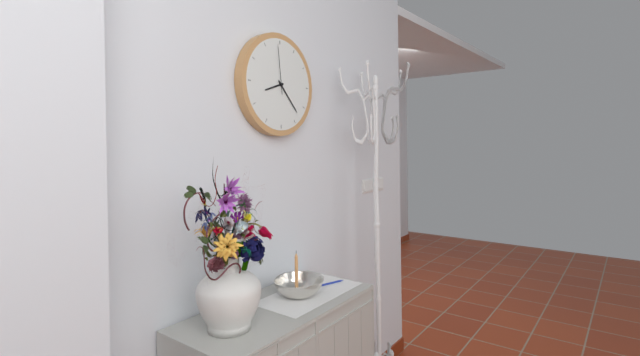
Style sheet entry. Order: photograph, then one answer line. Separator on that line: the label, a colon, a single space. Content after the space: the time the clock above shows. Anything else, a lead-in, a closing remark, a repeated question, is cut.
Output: 8:23:59
